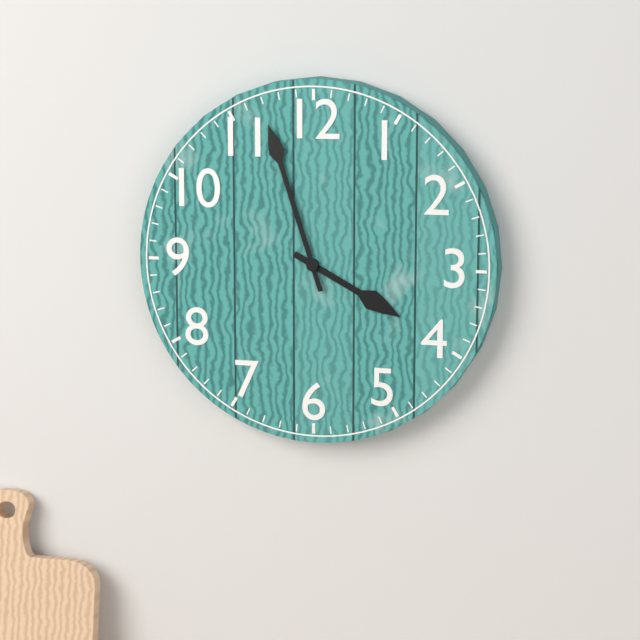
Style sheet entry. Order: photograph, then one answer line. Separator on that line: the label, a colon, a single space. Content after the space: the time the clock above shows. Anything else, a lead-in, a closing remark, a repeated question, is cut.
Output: 3:57
